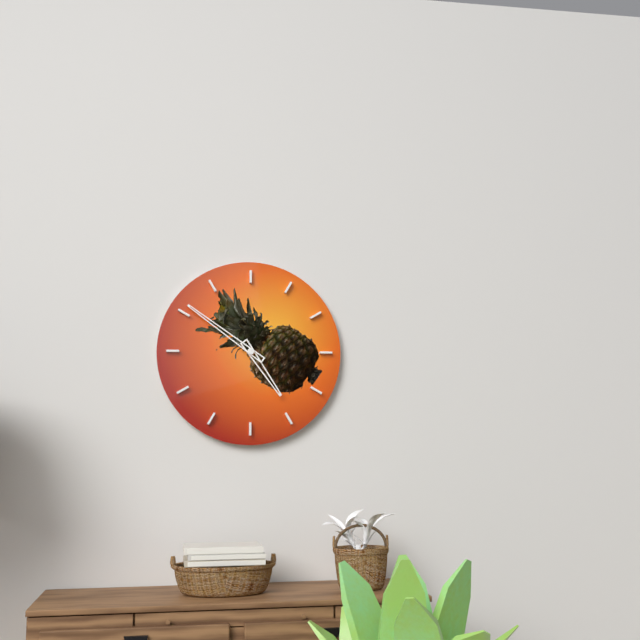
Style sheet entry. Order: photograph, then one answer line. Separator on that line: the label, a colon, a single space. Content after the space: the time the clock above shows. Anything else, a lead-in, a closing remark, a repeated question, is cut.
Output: 4:51
